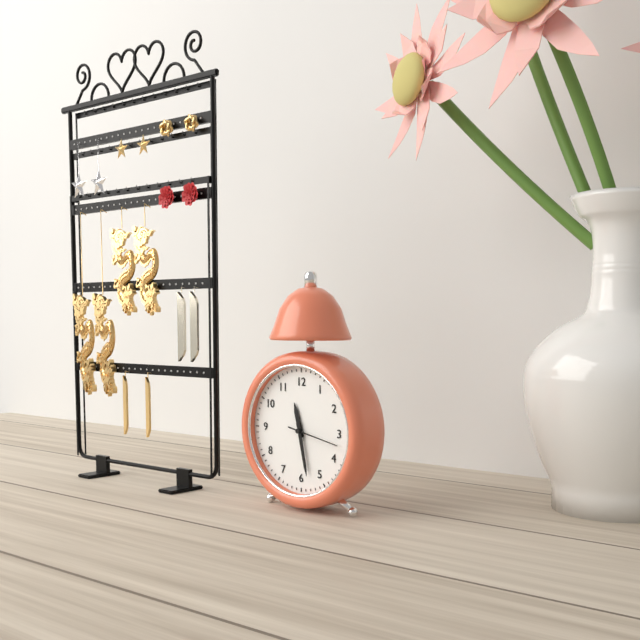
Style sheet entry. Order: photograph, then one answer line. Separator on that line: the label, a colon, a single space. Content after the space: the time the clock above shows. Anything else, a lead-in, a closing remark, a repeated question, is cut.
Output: 11:28:17
